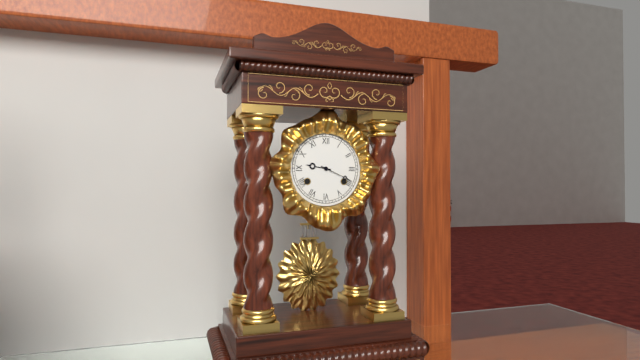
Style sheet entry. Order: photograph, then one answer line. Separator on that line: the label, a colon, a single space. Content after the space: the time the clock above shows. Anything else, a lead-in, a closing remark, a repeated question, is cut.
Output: 9:19
